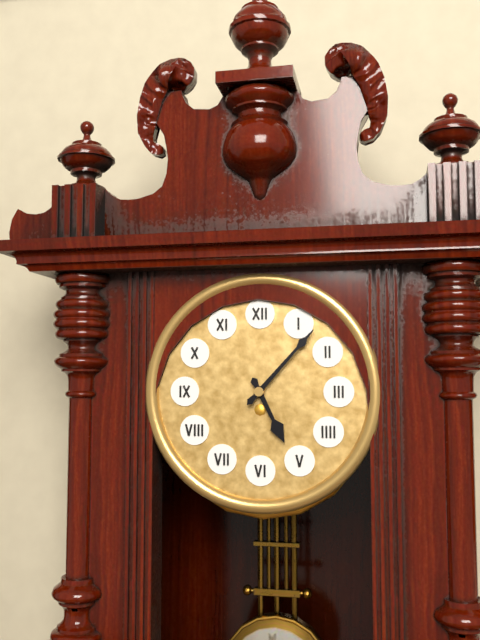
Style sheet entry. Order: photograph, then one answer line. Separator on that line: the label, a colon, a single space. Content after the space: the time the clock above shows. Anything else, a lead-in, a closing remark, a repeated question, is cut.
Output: 5:07
